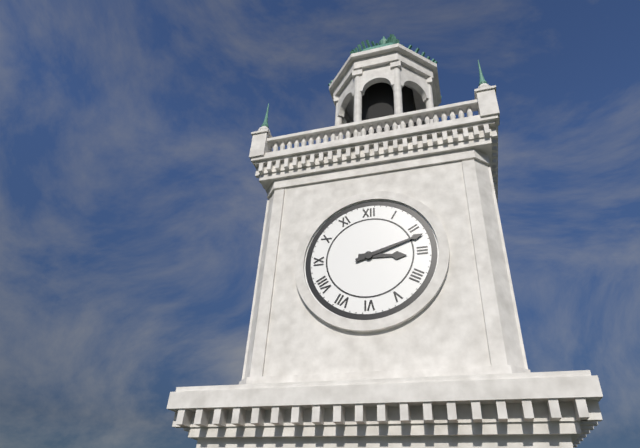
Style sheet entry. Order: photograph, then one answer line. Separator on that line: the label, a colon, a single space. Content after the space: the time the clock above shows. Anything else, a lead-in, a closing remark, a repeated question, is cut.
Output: 3:12
